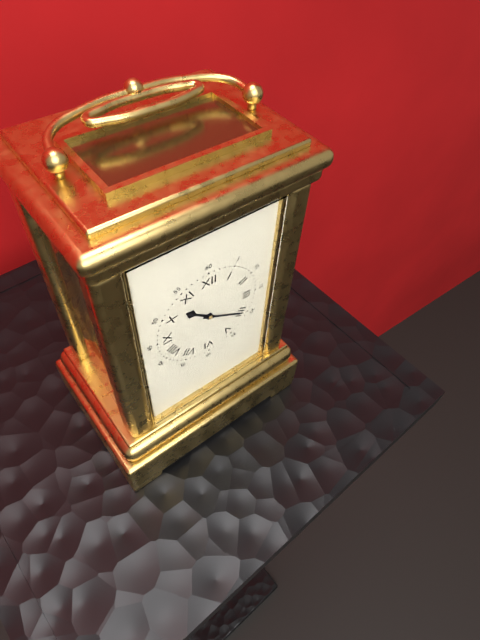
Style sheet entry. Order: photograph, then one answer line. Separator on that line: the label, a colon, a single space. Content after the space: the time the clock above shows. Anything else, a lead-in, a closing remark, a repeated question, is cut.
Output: 10:20
